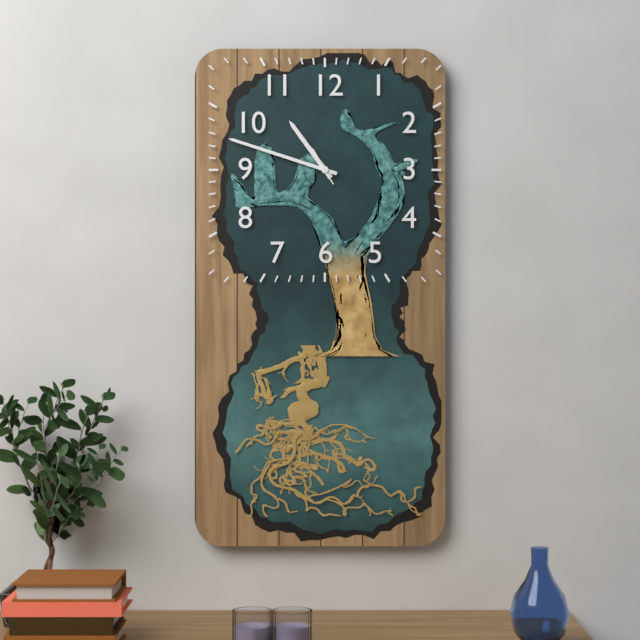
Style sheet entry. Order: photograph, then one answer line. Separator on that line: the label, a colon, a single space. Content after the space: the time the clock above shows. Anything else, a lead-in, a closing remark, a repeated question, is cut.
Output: 10:48
